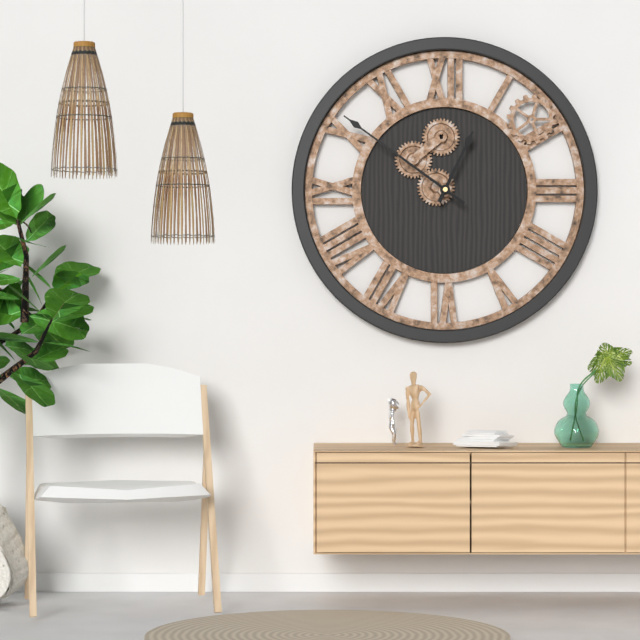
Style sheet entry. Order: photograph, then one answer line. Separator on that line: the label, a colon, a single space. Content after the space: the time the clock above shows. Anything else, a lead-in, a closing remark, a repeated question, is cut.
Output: 12:51
